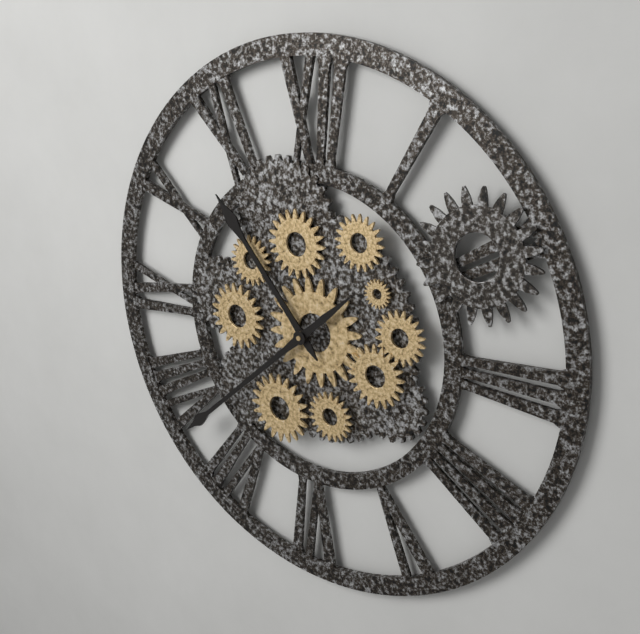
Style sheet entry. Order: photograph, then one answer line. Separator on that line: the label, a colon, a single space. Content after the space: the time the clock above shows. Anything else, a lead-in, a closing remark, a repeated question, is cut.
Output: 10:38
